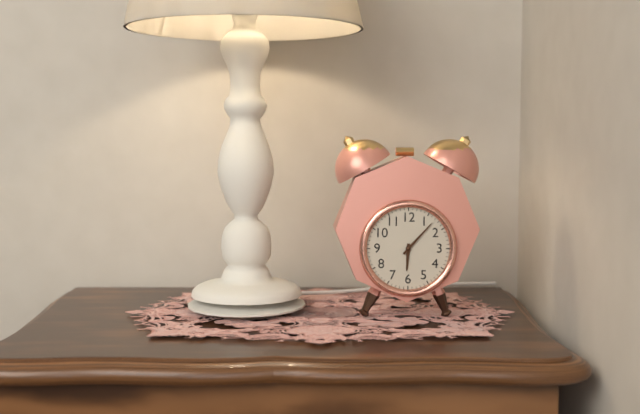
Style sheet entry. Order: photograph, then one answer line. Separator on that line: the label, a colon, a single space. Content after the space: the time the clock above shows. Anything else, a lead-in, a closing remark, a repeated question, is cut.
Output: 6:07
